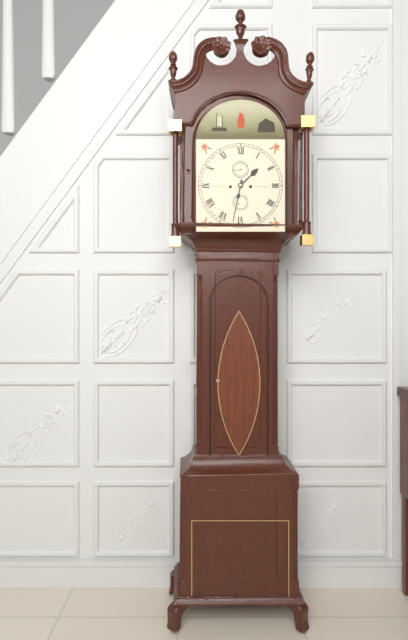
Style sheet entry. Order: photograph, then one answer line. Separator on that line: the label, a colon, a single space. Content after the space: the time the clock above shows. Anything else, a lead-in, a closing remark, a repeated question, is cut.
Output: 1:32
